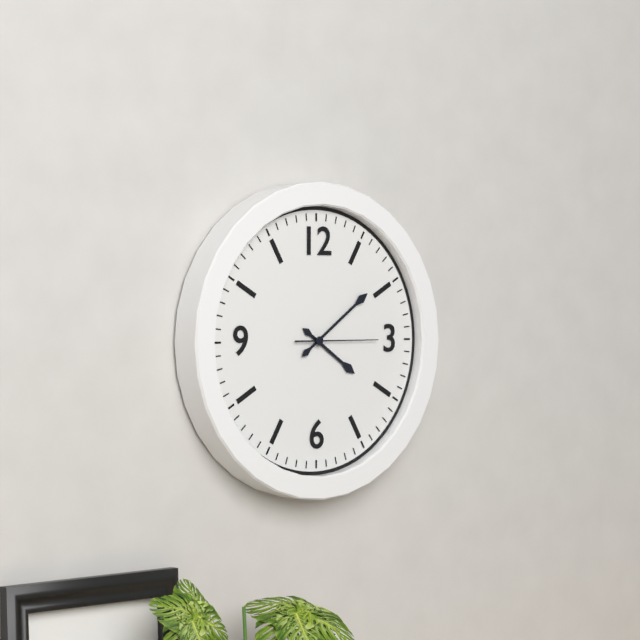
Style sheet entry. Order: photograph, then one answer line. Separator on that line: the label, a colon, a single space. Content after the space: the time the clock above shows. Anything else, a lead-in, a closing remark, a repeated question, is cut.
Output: 4:09:15
